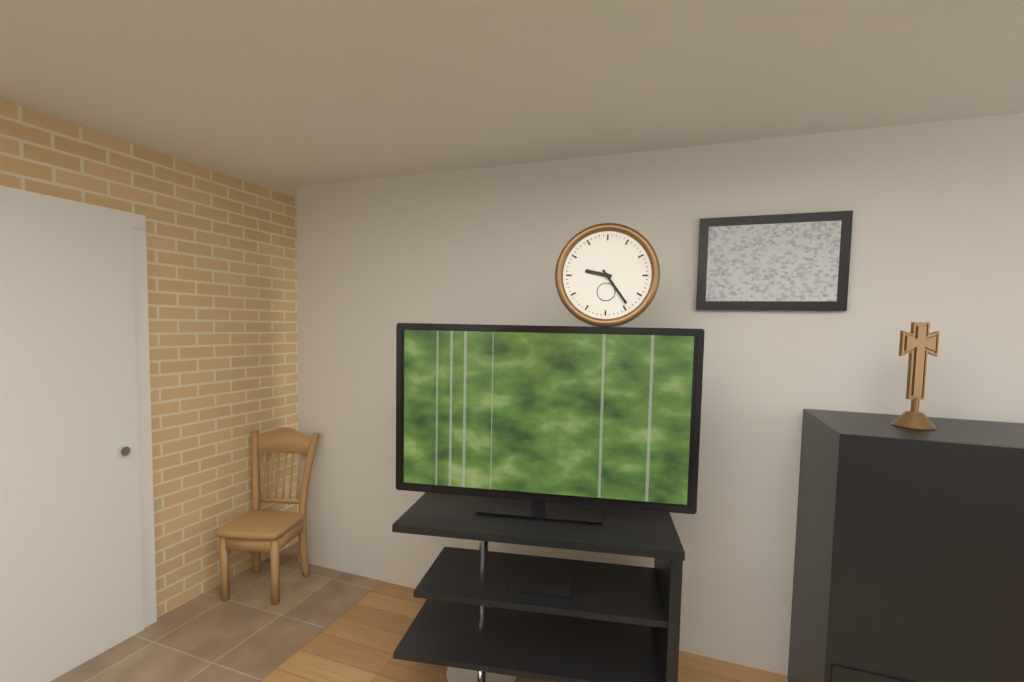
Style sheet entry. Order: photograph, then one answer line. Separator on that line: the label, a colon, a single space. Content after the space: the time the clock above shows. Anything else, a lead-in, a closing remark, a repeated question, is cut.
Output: 9:24
